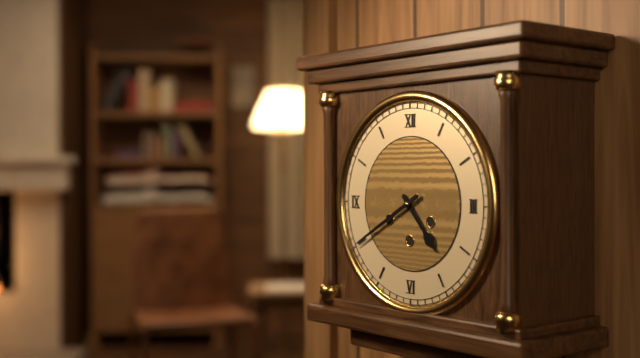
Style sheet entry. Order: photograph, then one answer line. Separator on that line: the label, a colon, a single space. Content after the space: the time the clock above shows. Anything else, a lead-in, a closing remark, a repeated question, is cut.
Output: 4:40
